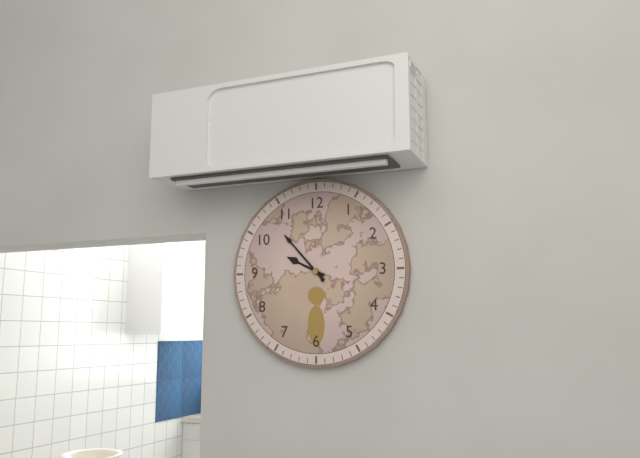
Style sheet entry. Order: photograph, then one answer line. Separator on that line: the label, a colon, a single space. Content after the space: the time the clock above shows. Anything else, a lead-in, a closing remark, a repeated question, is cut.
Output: 9:53
